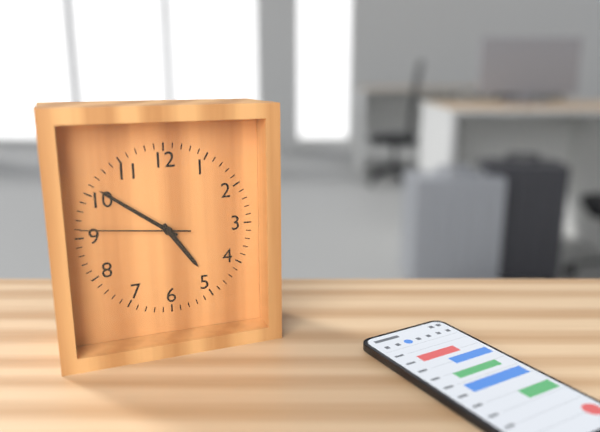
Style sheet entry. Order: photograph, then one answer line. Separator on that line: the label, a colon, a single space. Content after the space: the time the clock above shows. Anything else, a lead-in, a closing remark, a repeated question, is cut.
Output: 4:51:46
